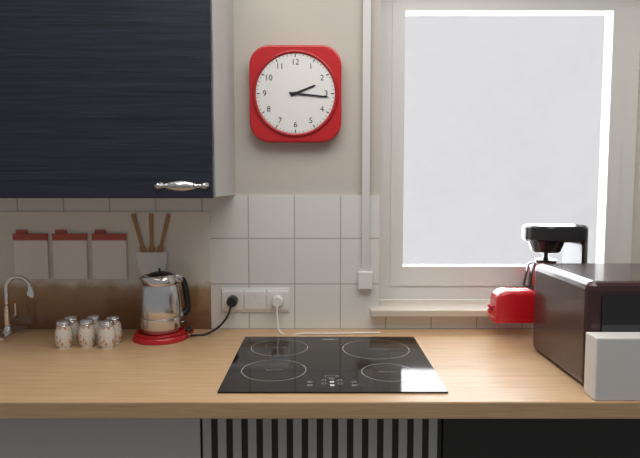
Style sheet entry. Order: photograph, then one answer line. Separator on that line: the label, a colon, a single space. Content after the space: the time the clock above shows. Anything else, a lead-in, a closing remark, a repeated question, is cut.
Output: 2:16
